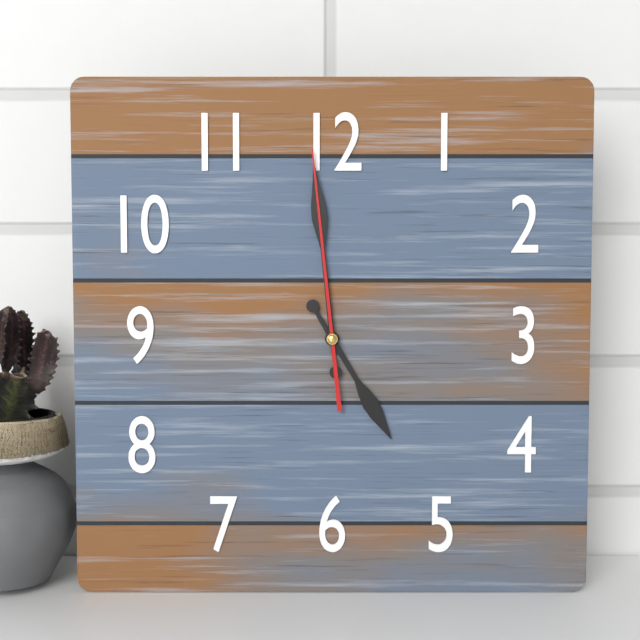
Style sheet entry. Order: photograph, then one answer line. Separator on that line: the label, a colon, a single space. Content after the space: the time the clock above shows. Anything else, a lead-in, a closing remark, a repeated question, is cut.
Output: 4:59:59
